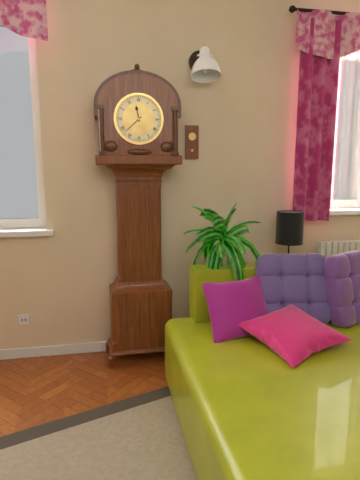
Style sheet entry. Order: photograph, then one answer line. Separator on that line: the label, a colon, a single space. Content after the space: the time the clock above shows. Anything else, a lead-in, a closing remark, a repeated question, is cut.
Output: 11:38
